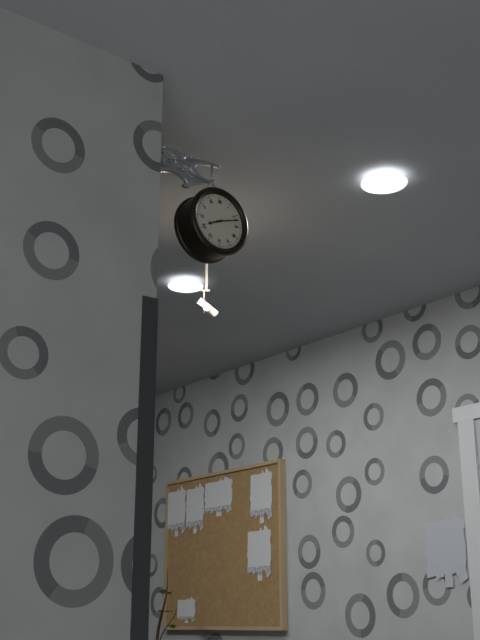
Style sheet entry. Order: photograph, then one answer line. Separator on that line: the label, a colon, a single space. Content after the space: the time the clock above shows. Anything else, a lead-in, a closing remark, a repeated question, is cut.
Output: 8:12
